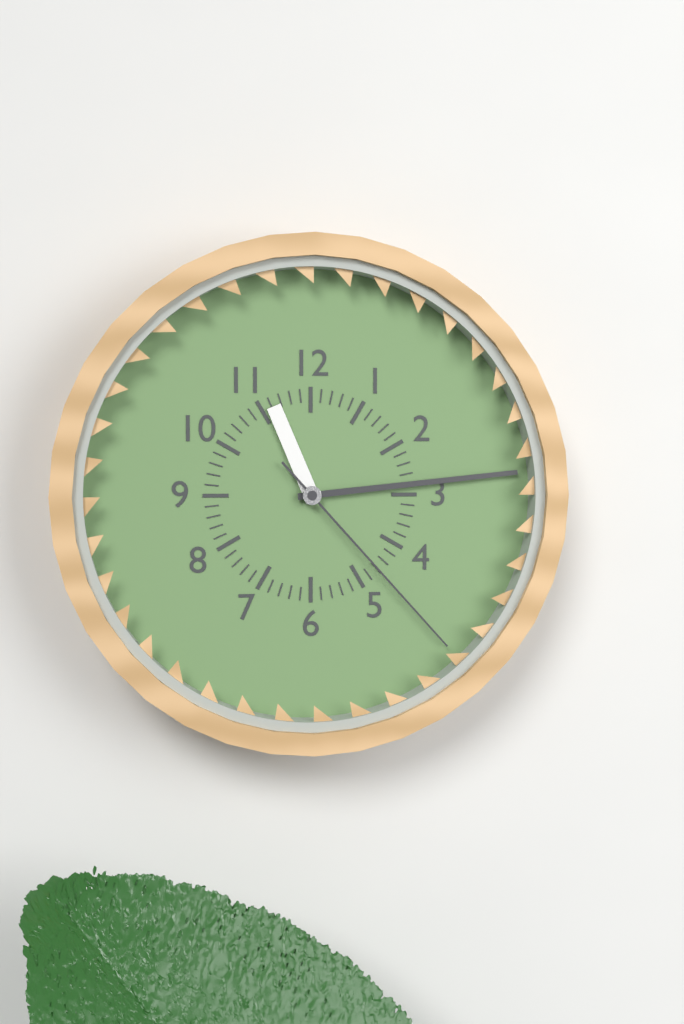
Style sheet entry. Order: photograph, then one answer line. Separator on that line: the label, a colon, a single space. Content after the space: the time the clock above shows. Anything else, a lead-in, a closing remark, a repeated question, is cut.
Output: 11:14:23
